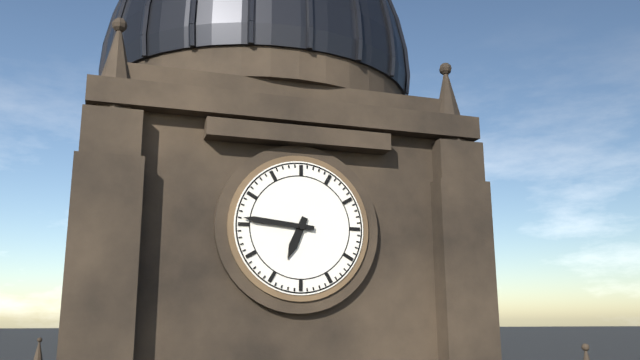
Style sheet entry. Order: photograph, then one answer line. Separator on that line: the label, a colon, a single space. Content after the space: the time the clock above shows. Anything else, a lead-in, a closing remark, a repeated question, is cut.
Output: 6:46
